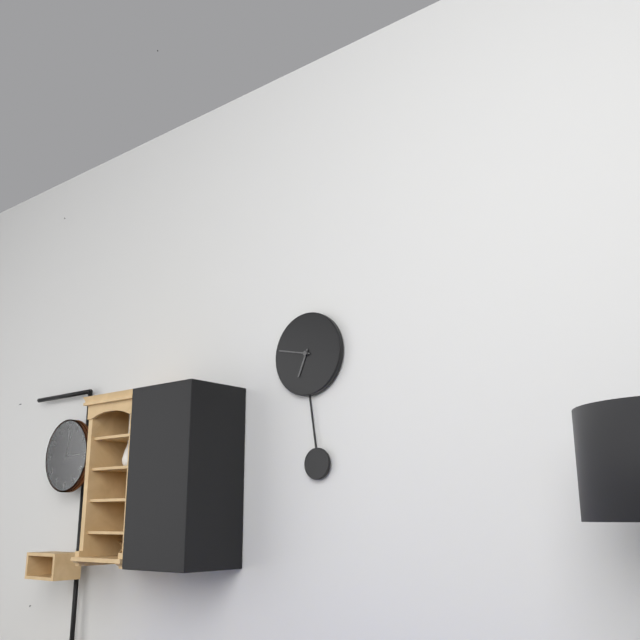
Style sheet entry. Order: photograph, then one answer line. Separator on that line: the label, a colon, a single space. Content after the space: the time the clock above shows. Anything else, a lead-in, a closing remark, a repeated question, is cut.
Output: 6:47
